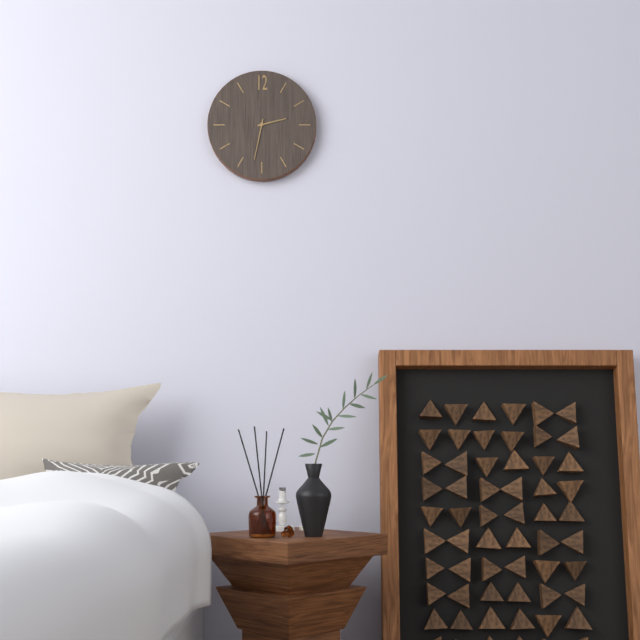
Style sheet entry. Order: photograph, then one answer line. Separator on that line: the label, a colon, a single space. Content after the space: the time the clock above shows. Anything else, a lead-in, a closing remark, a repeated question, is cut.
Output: 2:32
